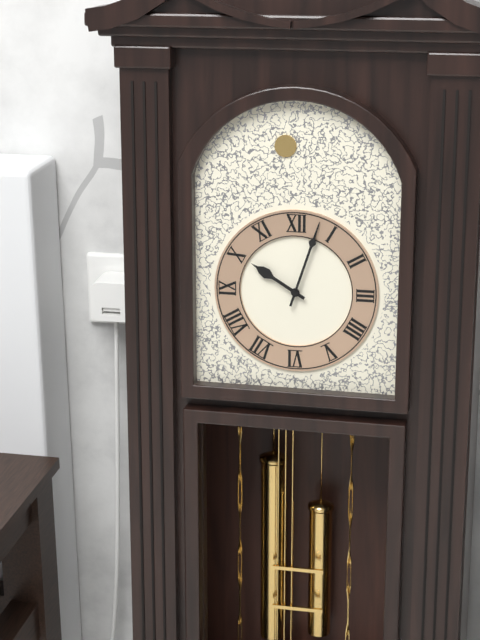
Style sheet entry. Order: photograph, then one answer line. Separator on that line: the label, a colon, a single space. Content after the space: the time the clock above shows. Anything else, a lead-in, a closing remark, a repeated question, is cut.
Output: 10:03
